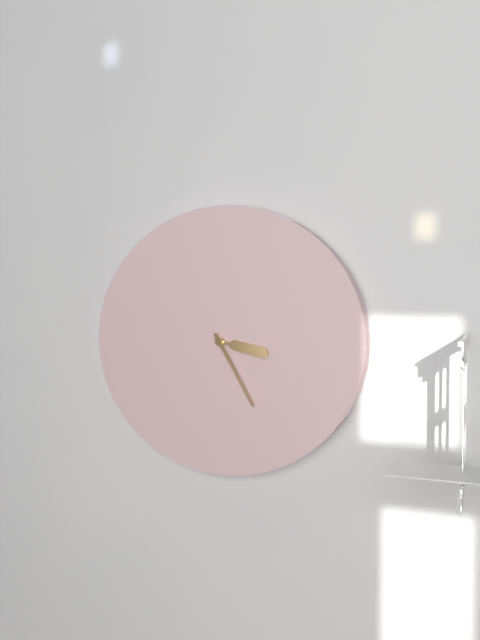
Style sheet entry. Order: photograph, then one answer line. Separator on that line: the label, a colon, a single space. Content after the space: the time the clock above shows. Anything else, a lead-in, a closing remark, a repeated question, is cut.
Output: 3:25
